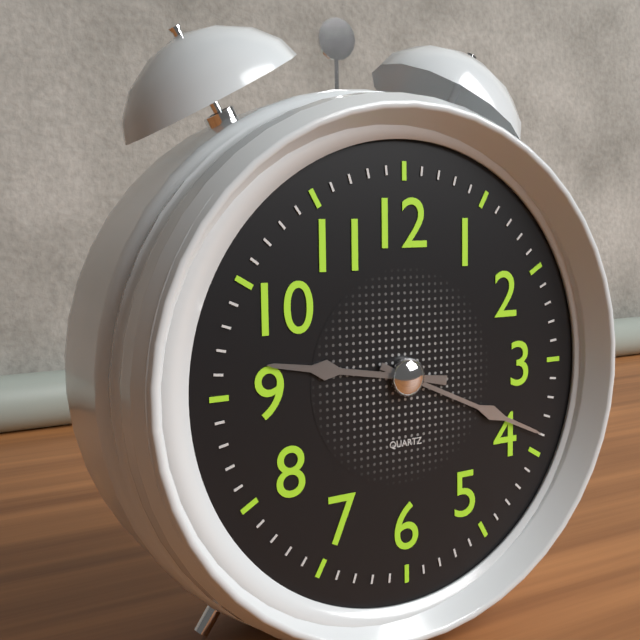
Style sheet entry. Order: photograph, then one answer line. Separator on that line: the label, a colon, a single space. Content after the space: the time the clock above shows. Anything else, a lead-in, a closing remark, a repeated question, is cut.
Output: 9:19
